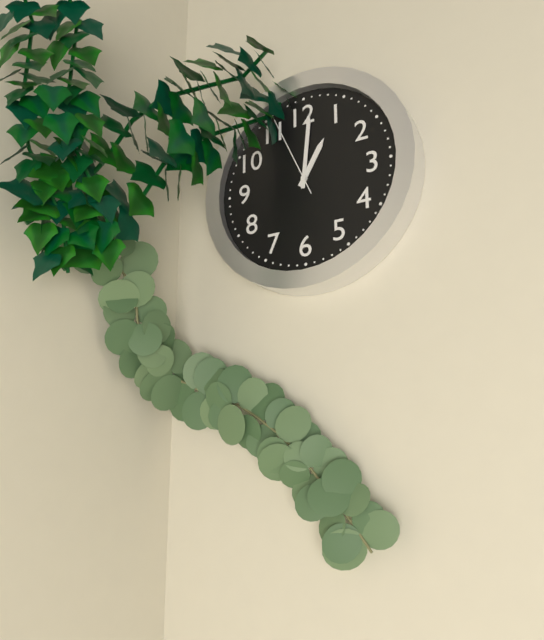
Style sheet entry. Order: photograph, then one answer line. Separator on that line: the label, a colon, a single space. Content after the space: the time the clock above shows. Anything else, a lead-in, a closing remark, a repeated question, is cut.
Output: 1:01:56
